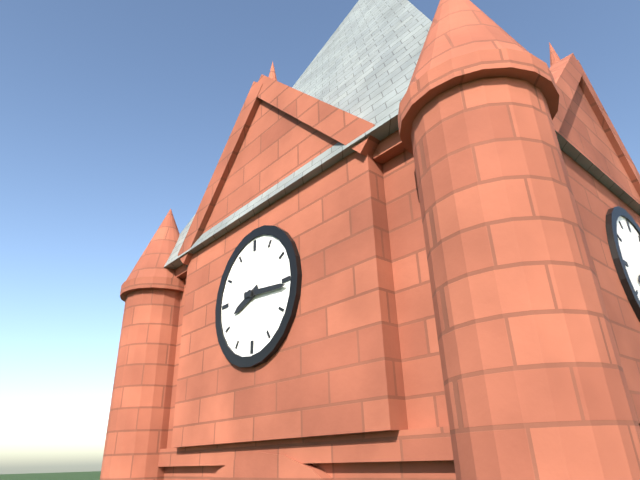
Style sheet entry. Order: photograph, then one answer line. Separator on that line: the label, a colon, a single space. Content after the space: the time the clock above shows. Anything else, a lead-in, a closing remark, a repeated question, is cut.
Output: 8:16
